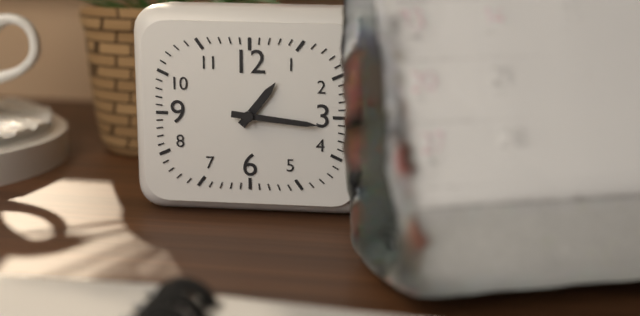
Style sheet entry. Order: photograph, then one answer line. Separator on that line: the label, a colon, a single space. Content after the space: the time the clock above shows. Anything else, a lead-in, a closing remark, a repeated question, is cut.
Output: 1:16
